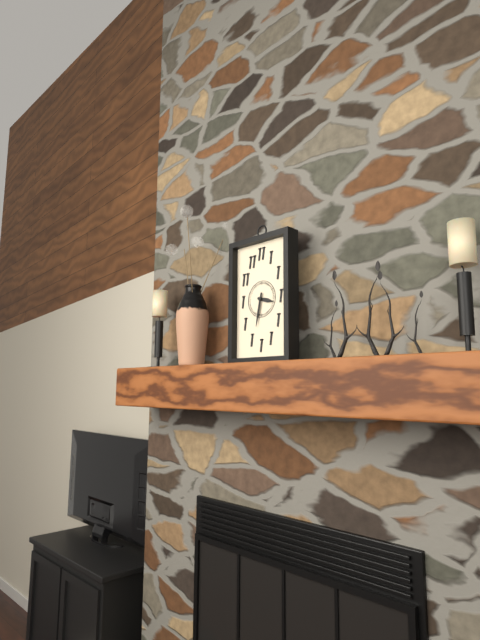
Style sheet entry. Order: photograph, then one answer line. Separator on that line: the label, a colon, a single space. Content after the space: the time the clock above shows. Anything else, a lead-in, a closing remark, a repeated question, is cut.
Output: 3:32
